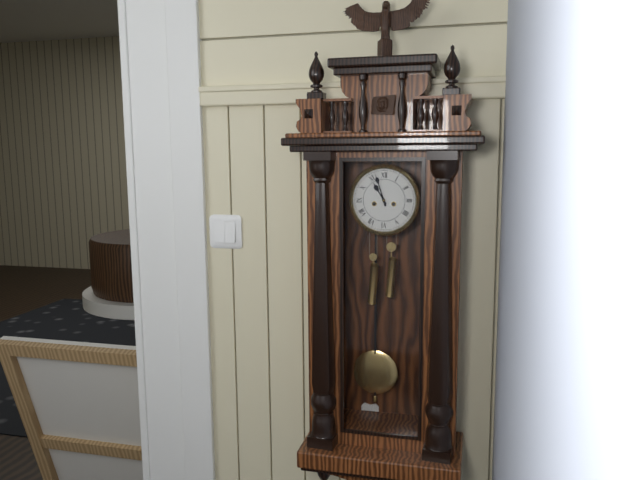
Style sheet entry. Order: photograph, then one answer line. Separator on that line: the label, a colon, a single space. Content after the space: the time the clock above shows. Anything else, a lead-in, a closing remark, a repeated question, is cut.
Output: 10:57
